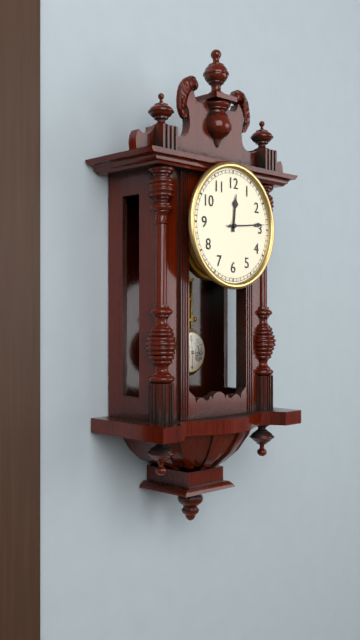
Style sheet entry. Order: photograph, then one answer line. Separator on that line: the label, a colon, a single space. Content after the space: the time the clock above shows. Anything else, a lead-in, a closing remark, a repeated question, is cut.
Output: 12:14
